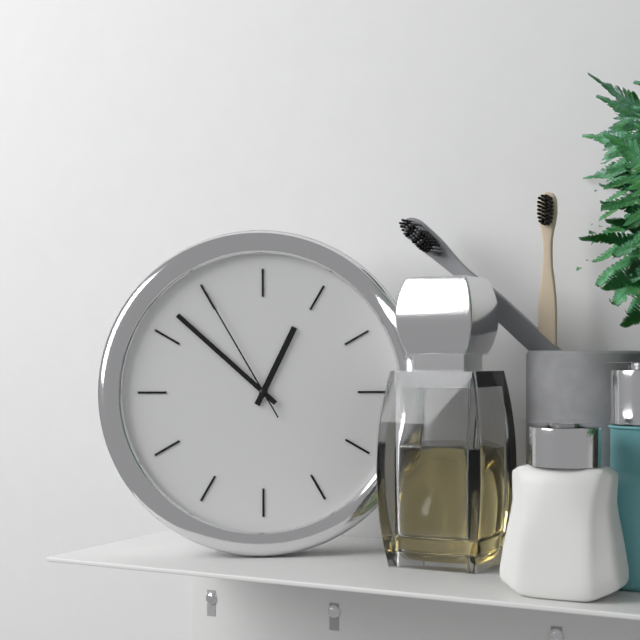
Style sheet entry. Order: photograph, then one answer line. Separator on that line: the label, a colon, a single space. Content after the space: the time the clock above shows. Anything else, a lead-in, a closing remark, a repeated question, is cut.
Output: 12:52:55
